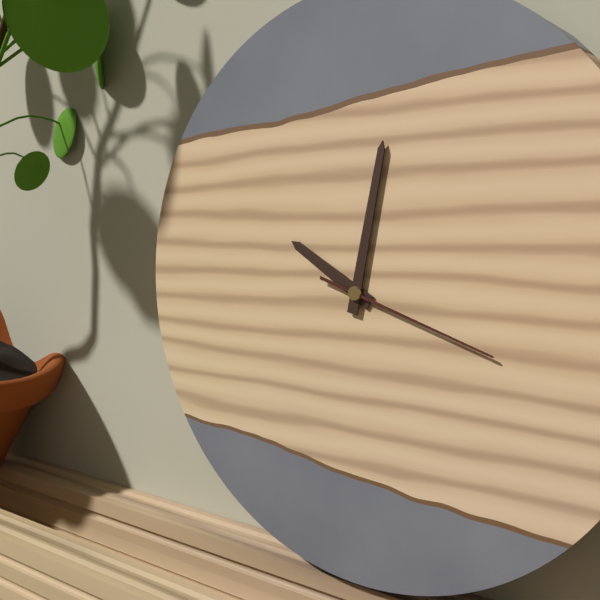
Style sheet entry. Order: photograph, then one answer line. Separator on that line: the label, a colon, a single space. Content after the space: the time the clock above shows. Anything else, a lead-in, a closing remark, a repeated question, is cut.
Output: 10:02:18
